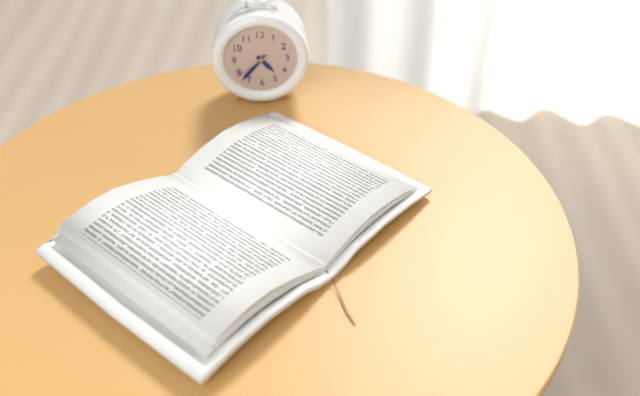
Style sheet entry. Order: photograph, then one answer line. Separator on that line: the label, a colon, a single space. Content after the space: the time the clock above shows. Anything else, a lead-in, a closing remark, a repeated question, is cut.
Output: 4:37
